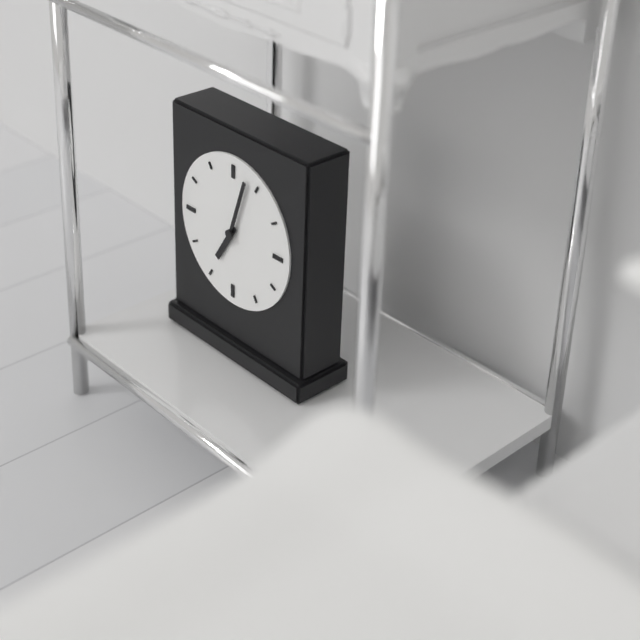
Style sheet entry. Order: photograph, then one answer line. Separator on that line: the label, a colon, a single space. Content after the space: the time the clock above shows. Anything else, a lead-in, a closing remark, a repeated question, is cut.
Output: 7:03
